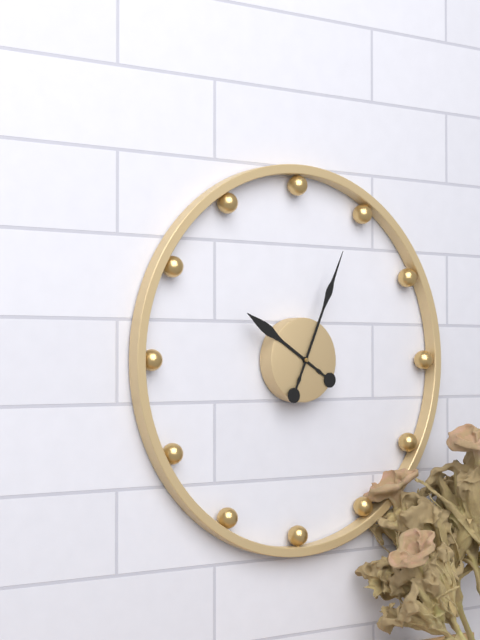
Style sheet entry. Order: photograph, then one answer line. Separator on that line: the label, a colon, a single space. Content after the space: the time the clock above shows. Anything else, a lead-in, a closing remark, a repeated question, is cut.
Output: 10:04
